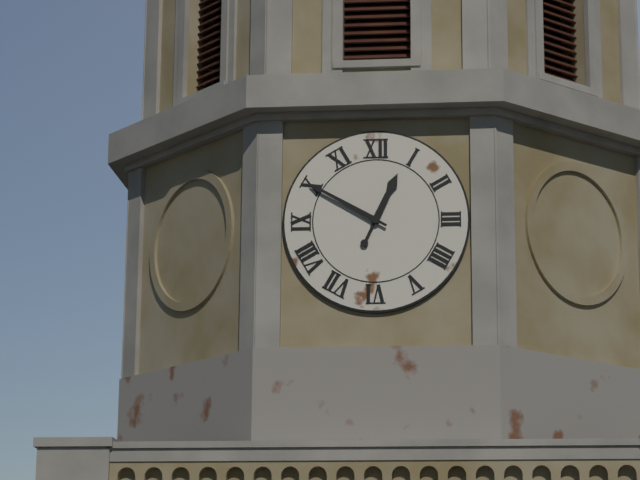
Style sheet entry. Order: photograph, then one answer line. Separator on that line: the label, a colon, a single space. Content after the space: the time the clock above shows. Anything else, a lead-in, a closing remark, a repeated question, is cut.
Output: 12:50
